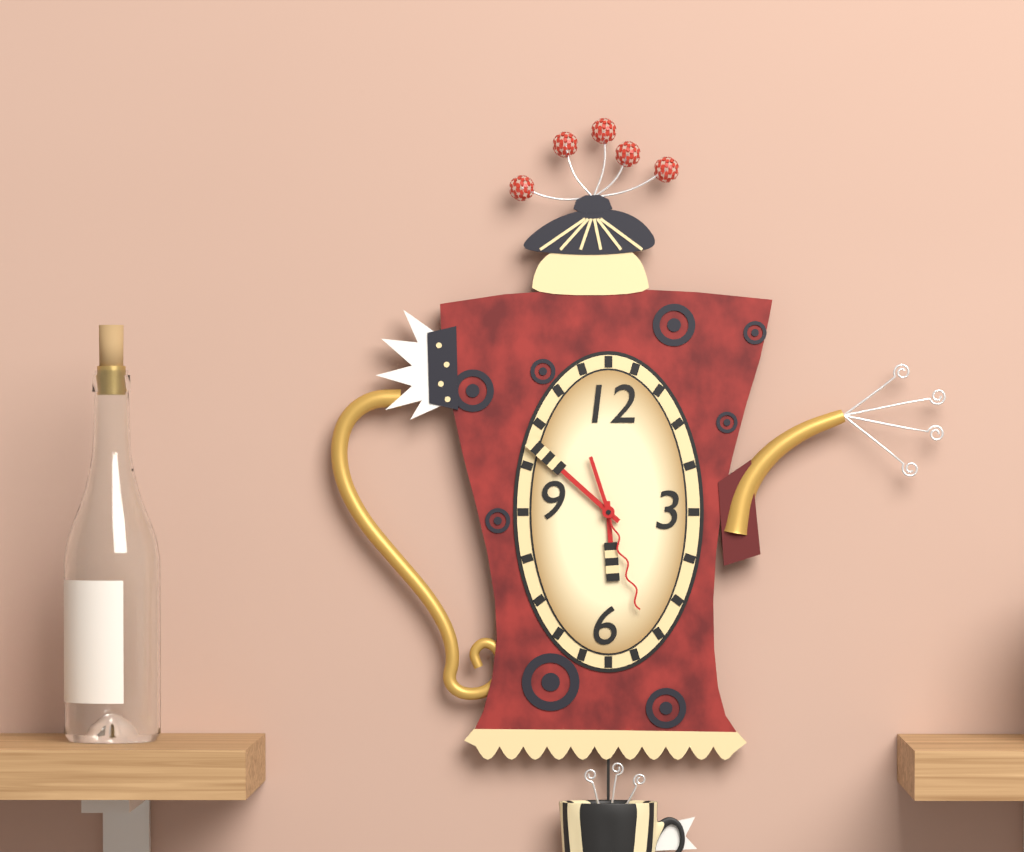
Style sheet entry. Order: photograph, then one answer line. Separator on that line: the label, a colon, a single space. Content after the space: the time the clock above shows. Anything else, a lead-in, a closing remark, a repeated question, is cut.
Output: 5:52:27
